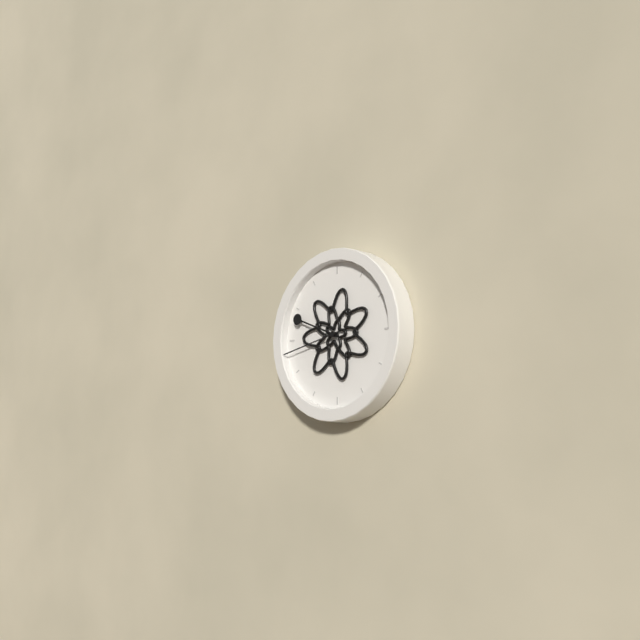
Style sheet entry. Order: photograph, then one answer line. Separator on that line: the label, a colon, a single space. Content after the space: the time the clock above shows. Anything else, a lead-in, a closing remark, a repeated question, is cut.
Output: 9:43
